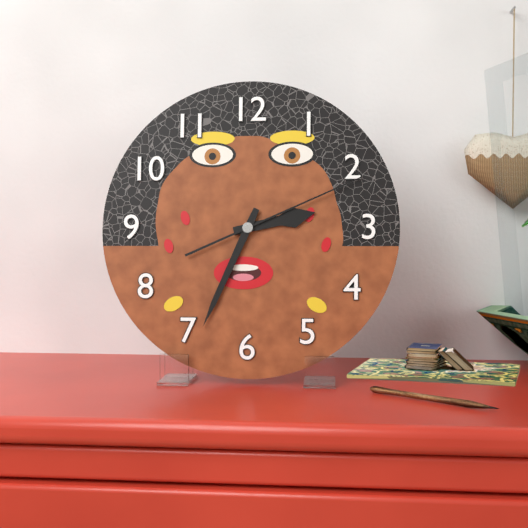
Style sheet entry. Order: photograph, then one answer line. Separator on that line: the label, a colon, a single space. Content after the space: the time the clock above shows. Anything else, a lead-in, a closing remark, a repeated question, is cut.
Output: 2:34:11
